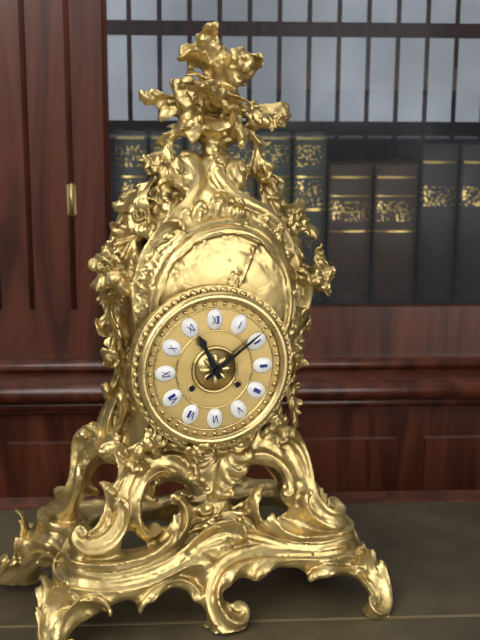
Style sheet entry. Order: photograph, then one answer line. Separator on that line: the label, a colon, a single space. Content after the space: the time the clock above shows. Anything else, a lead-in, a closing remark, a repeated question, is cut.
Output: 11:09
